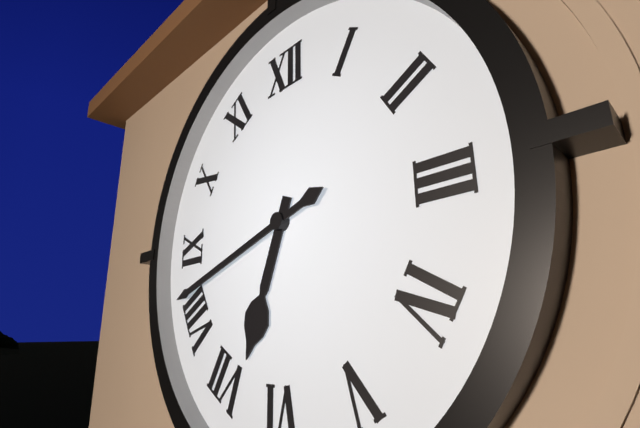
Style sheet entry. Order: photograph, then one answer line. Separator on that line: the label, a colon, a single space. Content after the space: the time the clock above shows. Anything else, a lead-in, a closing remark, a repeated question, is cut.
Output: 6:42
